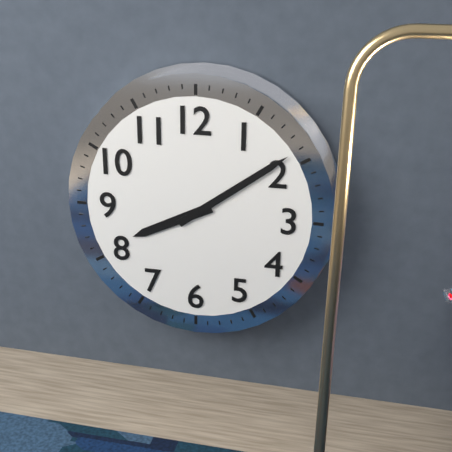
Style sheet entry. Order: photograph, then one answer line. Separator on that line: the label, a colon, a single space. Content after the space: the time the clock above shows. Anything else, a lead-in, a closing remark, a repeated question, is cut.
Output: 8:09
